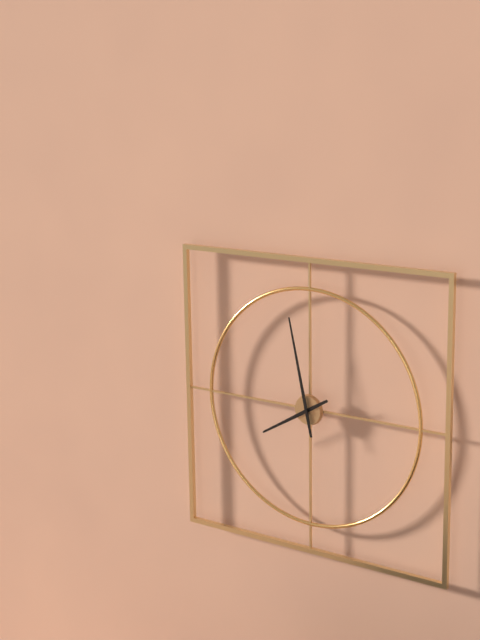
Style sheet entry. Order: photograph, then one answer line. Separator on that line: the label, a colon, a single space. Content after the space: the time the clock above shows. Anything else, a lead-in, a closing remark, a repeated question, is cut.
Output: 7:58
